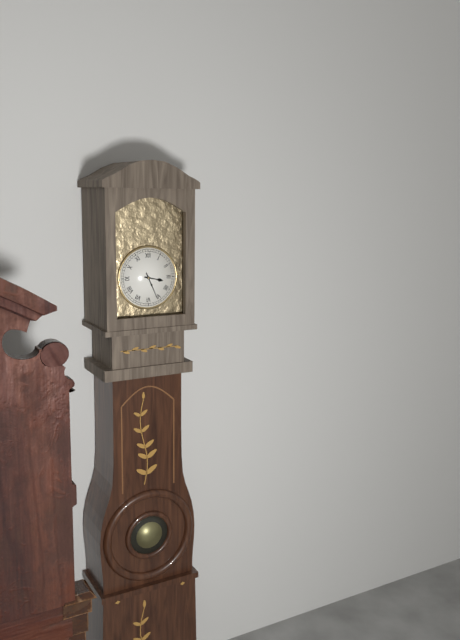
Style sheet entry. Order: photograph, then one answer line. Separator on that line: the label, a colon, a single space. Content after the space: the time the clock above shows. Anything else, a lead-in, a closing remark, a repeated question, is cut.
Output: 3:26
